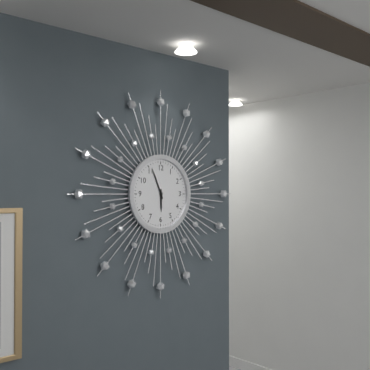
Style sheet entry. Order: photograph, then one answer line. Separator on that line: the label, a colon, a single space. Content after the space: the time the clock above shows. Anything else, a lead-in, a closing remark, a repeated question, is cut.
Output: 5:56
